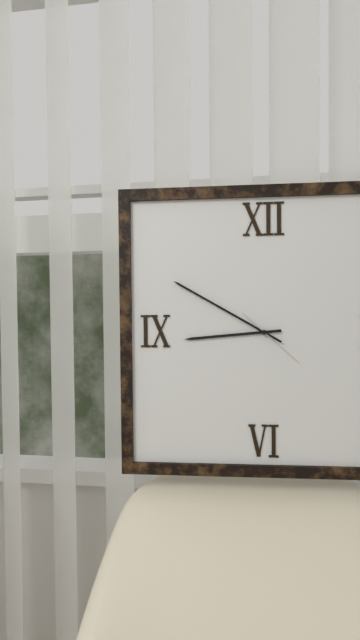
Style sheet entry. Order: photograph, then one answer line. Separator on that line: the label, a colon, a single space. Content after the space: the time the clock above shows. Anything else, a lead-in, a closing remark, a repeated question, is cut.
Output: 8:50:22
